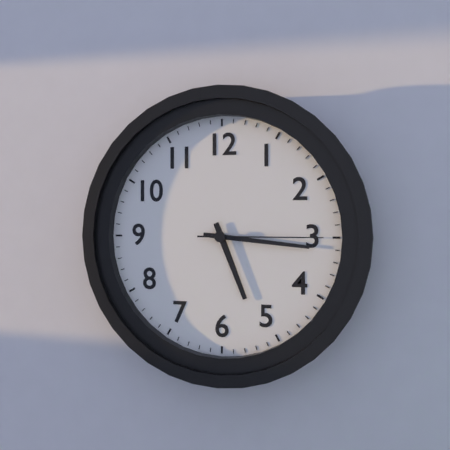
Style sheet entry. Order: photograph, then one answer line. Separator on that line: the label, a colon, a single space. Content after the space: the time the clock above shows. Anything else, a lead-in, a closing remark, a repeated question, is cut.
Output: 5:16:15
